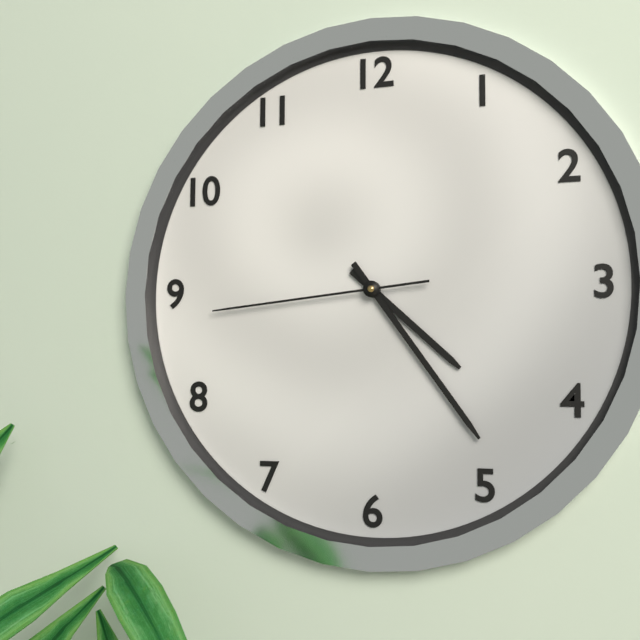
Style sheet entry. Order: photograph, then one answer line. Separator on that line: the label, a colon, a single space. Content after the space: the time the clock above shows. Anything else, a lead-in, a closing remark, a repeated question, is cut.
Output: 4:24:44
